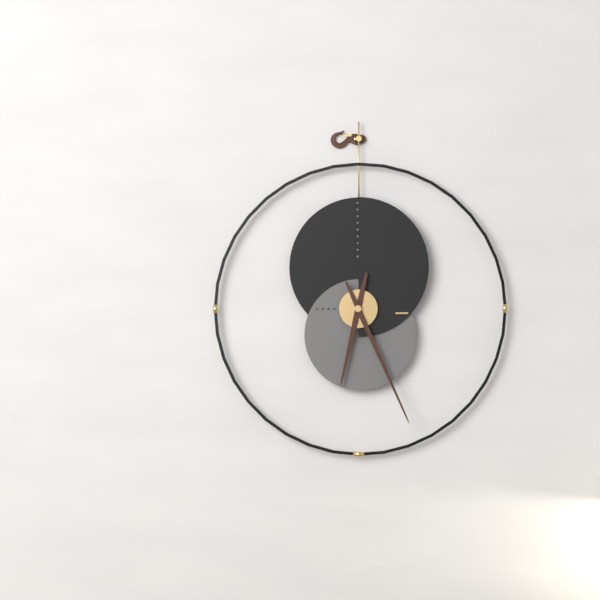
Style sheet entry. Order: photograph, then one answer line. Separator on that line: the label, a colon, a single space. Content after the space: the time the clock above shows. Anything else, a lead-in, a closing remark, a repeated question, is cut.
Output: 6:26
